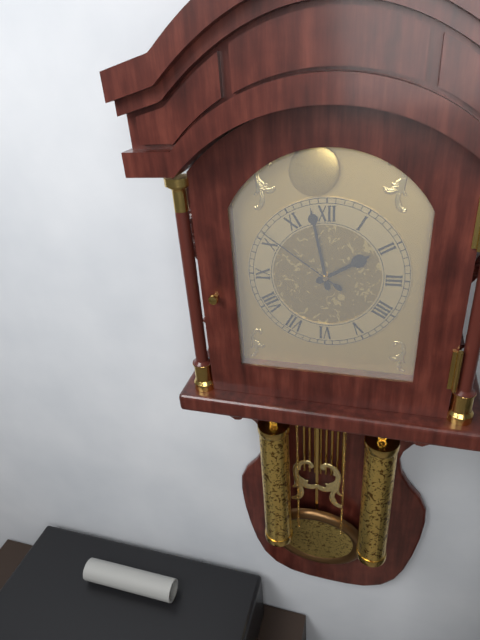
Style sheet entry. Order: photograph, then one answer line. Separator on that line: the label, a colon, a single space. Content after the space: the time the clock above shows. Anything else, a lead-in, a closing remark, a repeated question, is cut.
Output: 1:58:51
